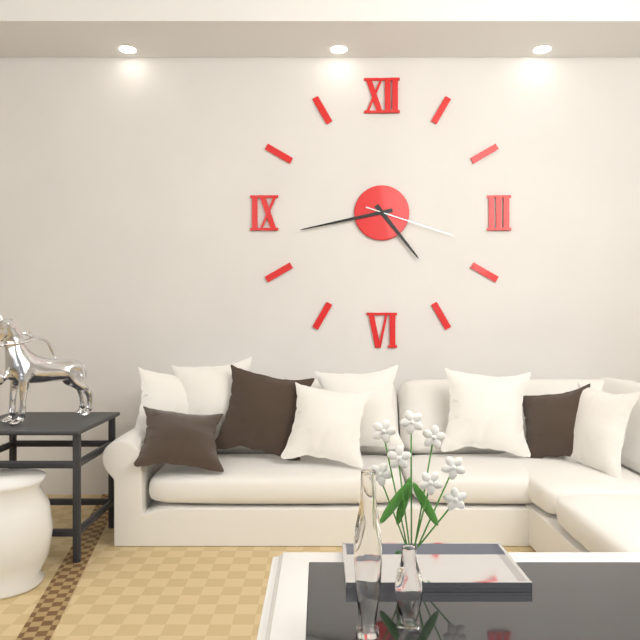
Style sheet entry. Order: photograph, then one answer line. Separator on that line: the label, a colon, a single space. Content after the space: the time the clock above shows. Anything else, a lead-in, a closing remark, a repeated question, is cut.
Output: 4:43:18
